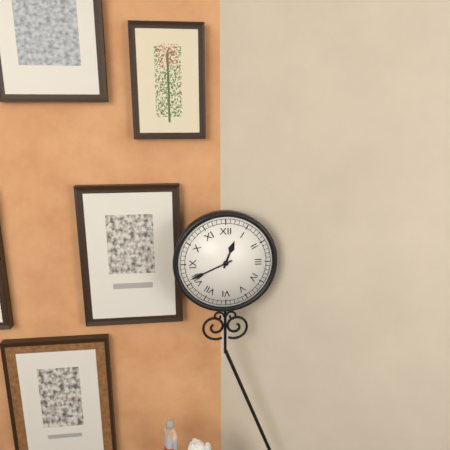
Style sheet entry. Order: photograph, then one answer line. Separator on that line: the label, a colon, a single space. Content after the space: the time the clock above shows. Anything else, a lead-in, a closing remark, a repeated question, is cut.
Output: 12:41
